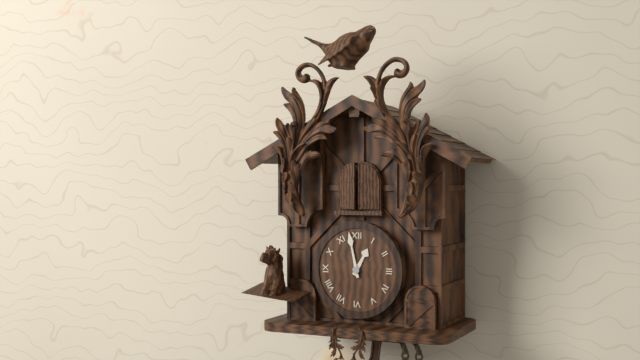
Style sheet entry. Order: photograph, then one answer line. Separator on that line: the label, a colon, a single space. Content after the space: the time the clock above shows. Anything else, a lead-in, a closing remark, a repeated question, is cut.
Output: 12:58
